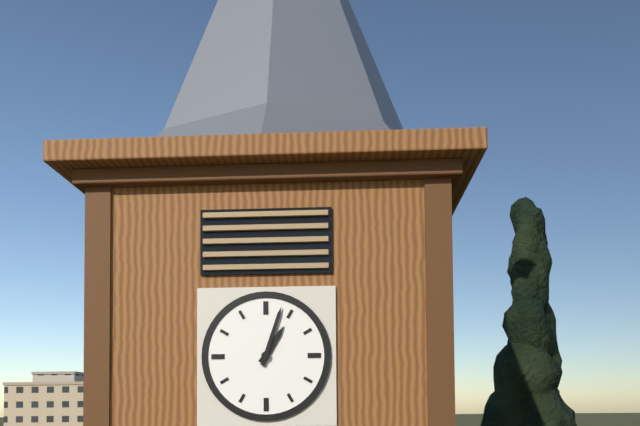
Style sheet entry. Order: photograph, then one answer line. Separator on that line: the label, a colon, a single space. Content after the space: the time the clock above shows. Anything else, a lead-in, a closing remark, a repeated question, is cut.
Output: 1:03
